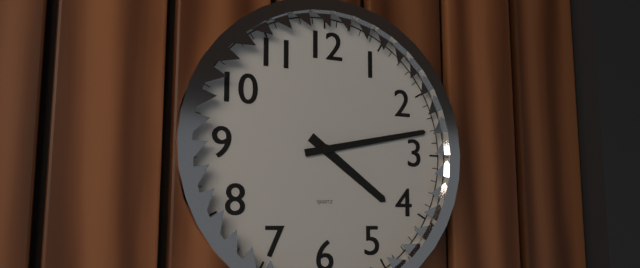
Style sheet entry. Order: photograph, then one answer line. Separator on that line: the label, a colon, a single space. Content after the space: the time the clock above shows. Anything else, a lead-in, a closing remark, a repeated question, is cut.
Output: 4:13
